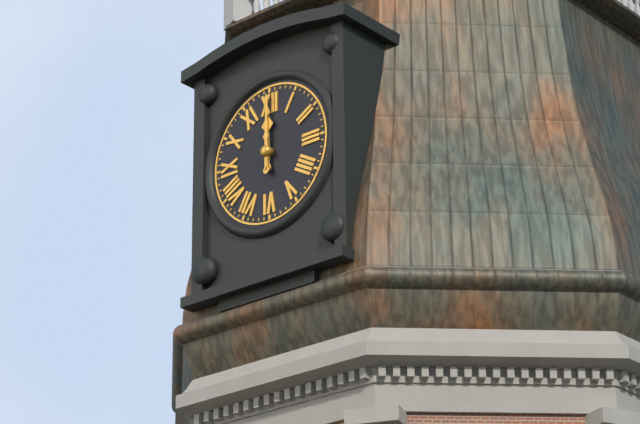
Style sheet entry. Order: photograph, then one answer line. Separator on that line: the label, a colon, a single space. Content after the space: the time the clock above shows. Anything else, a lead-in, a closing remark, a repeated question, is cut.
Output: 12:00
